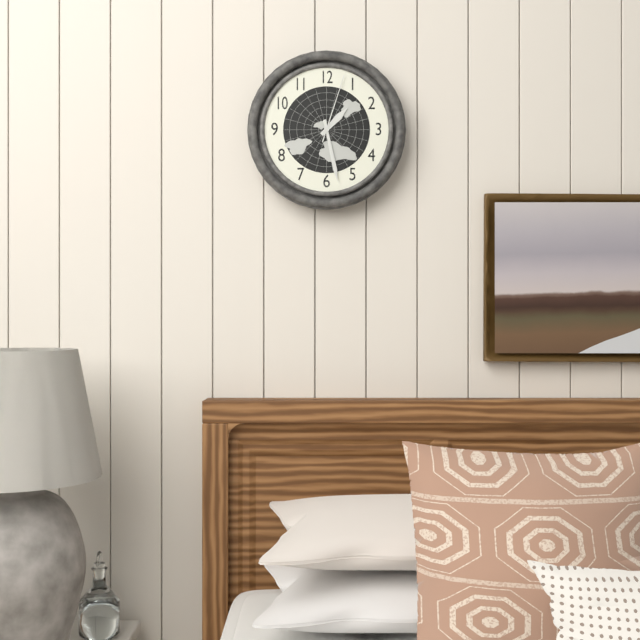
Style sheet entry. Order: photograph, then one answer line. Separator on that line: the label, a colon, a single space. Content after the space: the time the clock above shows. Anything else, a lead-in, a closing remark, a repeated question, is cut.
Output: 1:28:03
